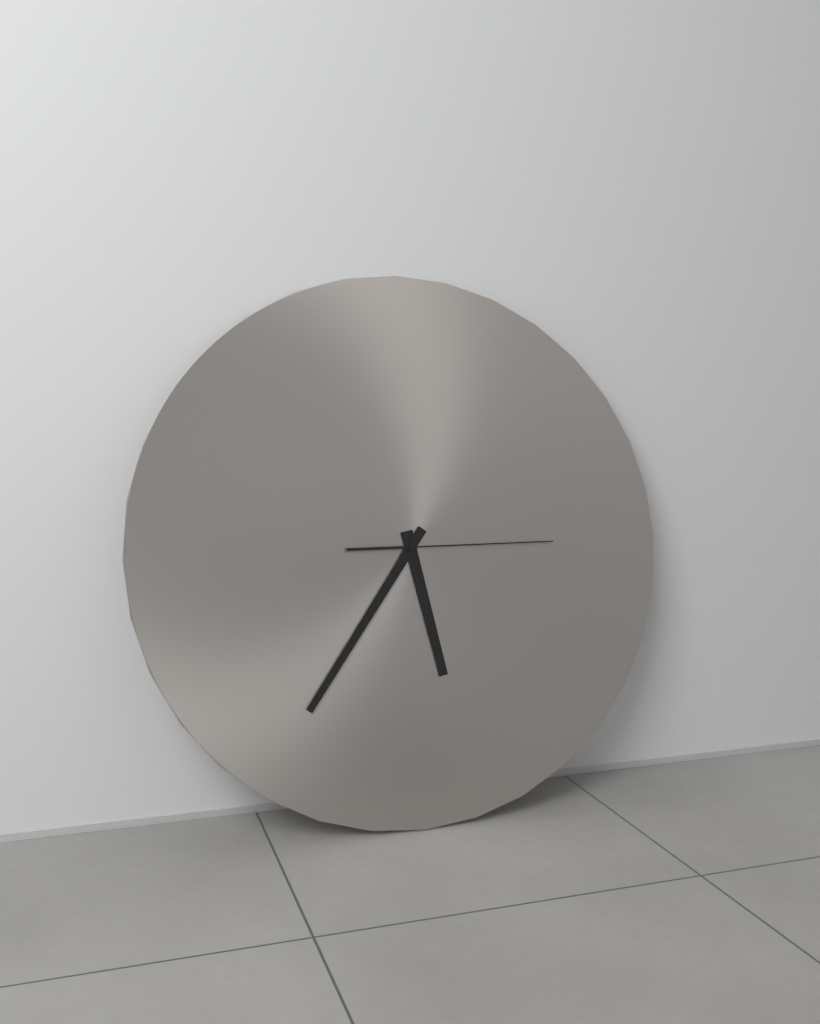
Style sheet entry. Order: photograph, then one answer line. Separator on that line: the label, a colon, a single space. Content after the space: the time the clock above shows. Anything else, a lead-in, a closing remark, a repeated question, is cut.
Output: 5:36:15
